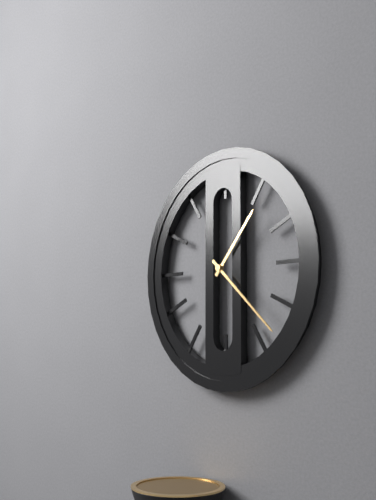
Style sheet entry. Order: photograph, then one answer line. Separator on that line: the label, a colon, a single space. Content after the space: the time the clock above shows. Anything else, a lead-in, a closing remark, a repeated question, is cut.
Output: 1:22
